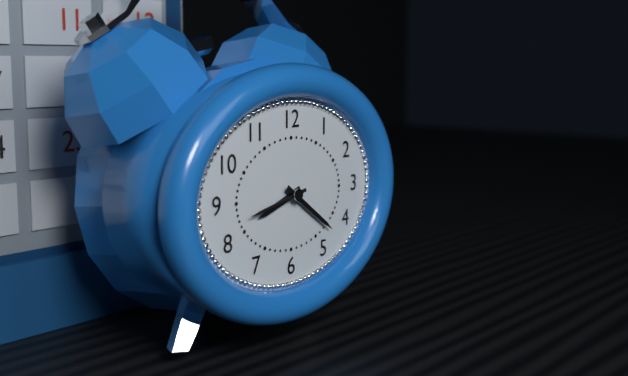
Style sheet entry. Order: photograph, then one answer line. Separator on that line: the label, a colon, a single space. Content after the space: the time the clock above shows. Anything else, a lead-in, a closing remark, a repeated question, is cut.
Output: 8:21:43
